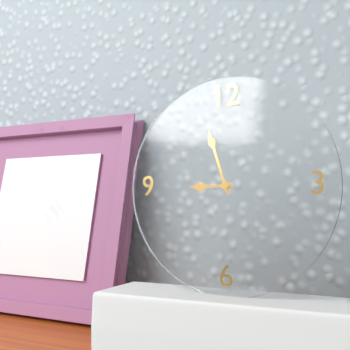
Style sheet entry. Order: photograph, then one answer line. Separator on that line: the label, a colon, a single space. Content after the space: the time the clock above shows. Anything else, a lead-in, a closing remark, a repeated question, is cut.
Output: 8:57
